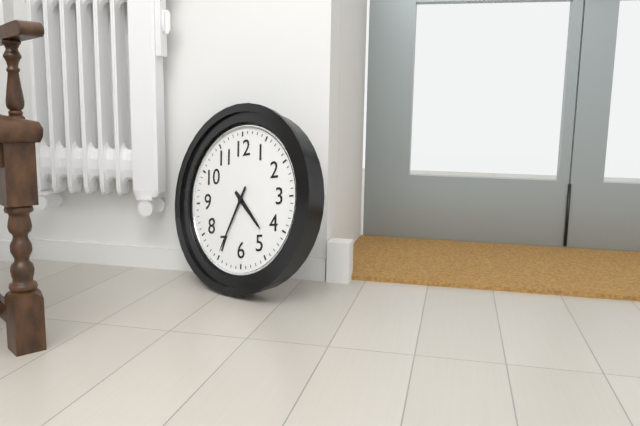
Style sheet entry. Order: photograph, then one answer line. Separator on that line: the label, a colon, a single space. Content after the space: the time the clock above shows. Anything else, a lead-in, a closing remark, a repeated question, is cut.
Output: 4:35
